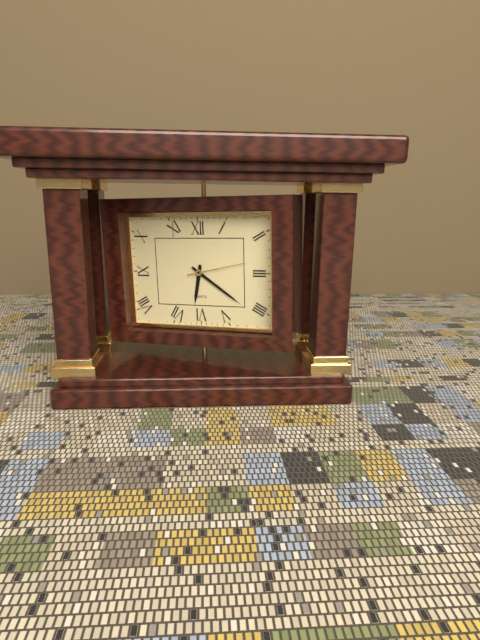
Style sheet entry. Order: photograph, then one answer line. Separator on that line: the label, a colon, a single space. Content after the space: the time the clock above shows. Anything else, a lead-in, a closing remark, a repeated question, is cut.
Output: 6:21:13
